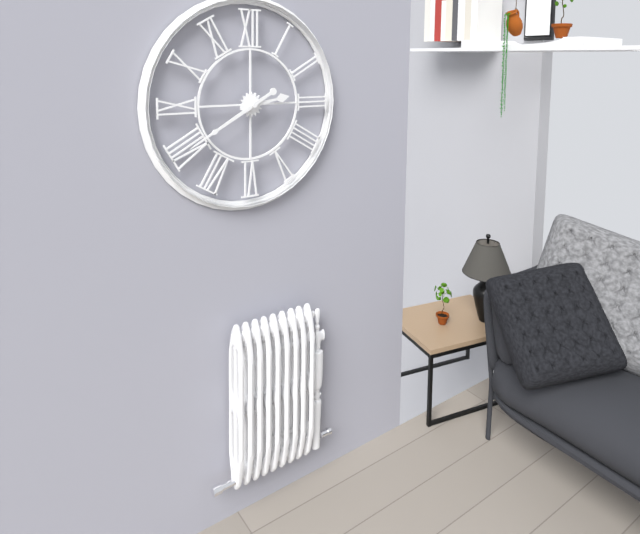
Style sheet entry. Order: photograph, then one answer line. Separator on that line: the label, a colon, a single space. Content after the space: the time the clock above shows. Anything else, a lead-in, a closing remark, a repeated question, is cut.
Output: 2:40
